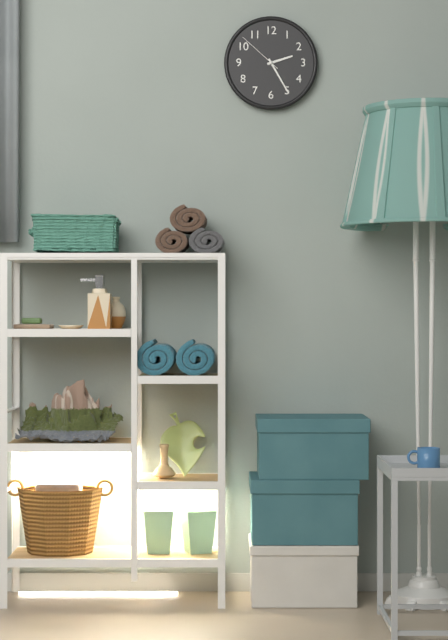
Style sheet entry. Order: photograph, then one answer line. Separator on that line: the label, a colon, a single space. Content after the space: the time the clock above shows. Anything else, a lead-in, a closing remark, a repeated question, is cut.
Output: 2:25
